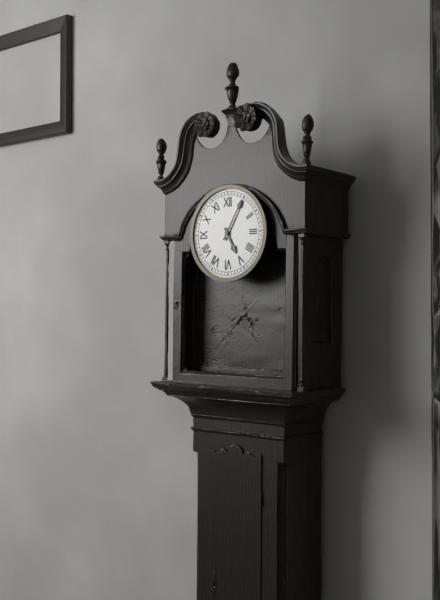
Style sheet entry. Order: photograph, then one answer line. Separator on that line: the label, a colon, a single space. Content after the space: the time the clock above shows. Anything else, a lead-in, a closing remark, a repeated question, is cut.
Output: 5:05
